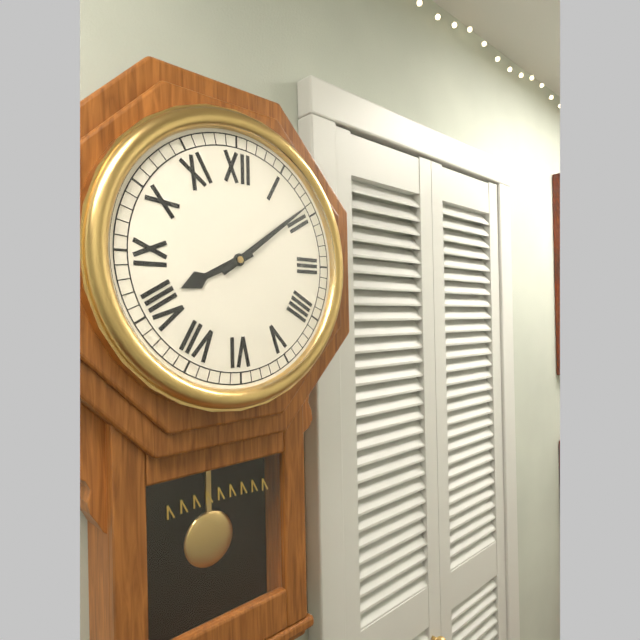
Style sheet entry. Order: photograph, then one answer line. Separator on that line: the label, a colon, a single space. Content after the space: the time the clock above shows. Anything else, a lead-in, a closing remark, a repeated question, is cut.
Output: 8:09
